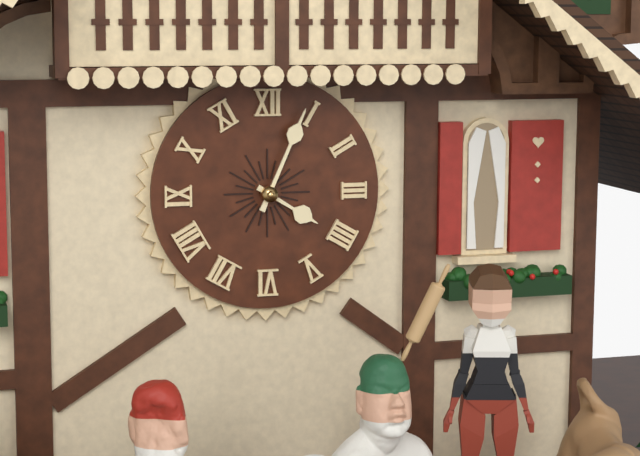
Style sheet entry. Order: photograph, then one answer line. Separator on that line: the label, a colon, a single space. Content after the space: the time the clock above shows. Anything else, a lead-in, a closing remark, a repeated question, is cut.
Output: 4:04
